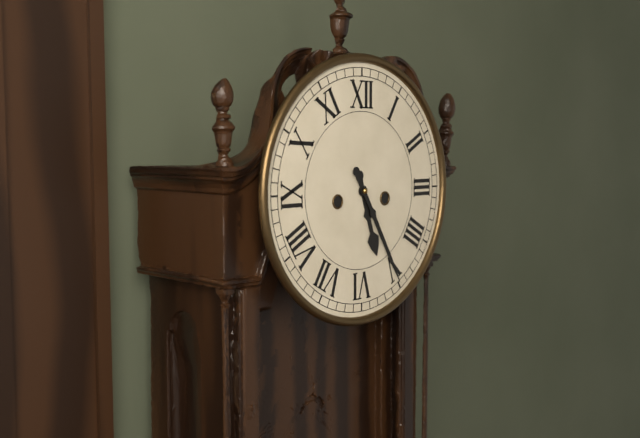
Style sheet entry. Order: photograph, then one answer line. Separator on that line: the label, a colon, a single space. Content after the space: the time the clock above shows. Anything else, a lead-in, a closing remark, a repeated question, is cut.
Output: 5:25
